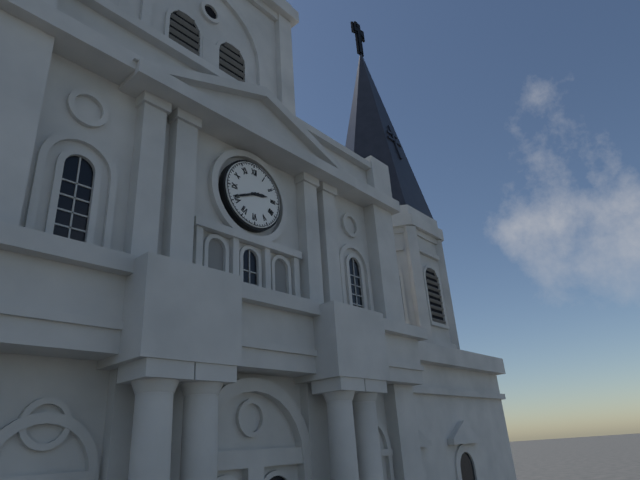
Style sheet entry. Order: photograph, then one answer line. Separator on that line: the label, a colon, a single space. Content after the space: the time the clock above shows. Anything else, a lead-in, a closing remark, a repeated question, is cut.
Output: 2:41
